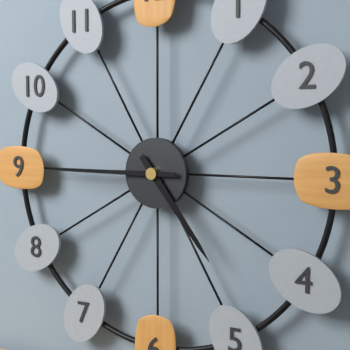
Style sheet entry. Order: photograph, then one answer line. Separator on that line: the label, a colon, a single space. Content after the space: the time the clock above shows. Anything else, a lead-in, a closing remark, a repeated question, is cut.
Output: 4:45
